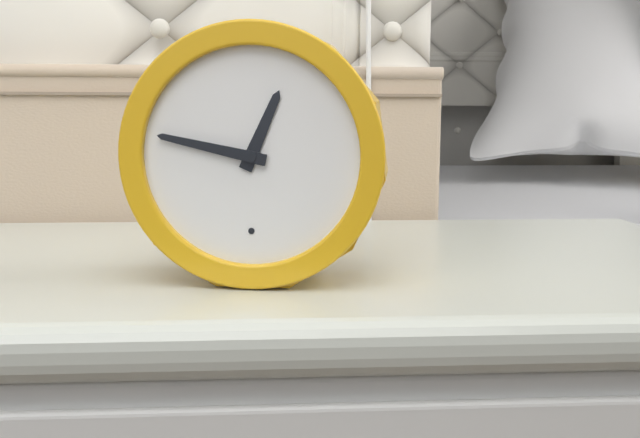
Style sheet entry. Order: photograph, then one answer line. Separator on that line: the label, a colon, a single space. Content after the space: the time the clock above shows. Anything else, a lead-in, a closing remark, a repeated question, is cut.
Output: 12:47
